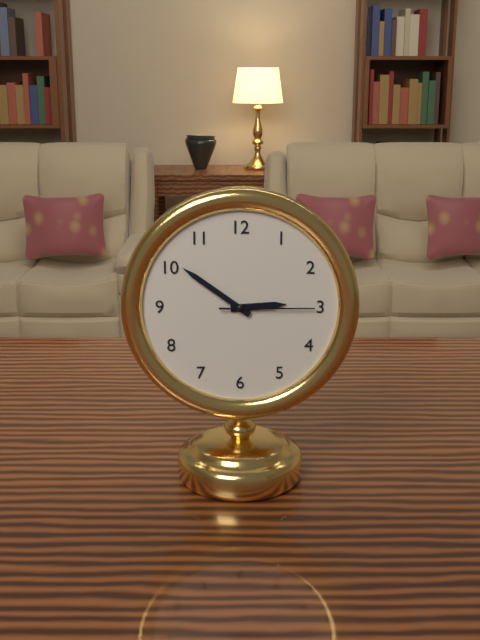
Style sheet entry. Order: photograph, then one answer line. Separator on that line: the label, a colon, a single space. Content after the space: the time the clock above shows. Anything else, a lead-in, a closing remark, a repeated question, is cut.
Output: 2:51:15
